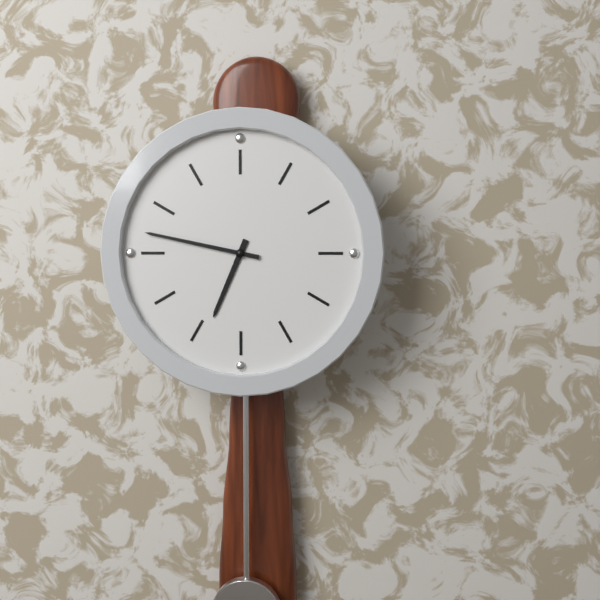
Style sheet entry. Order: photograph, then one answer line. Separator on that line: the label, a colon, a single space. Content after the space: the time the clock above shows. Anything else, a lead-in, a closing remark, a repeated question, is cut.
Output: 6:47
